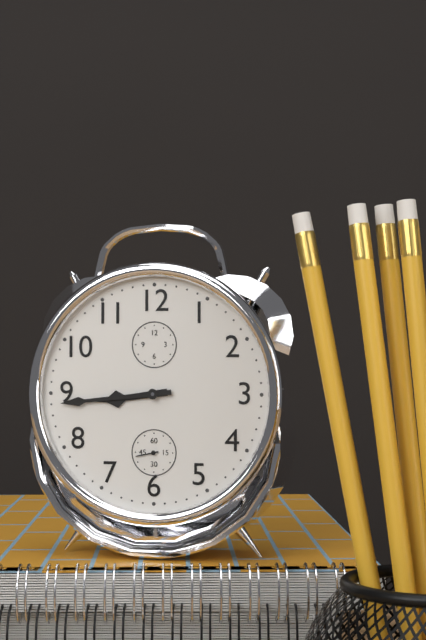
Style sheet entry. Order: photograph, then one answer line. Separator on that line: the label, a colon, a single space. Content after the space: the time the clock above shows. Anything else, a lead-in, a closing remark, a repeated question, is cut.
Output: 8:44
